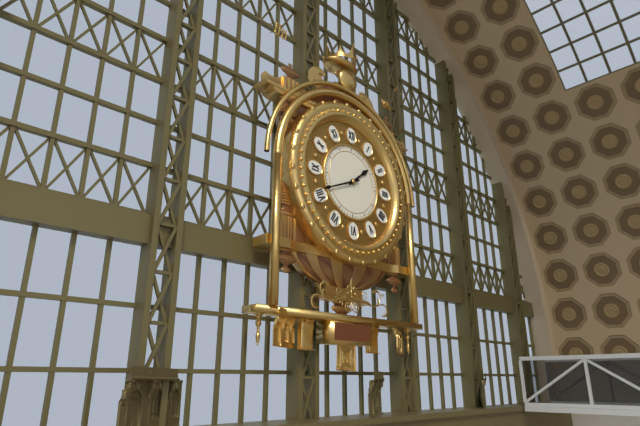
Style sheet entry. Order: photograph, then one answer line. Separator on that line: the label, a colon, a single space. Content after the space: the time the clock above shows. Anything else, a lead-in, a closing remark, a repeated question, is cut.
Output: 1:41
